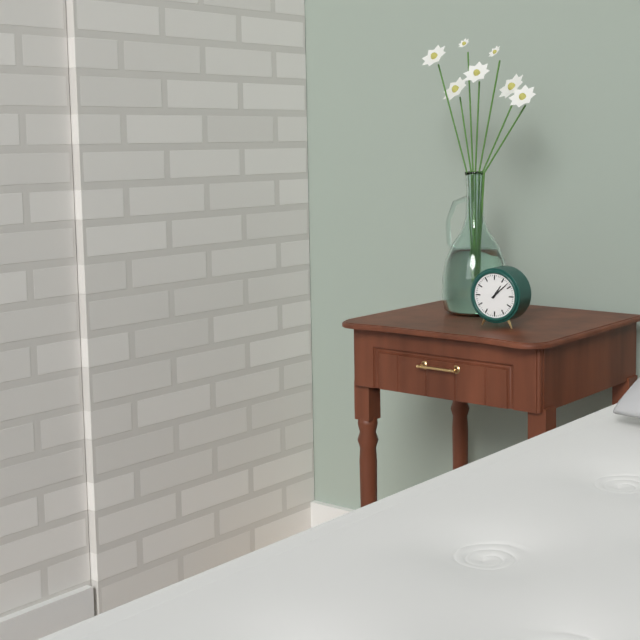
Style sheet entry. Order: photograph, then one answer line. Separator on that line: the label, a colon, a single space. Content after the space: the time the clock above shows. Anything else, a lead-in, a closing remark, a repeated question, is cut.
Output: 1:08
